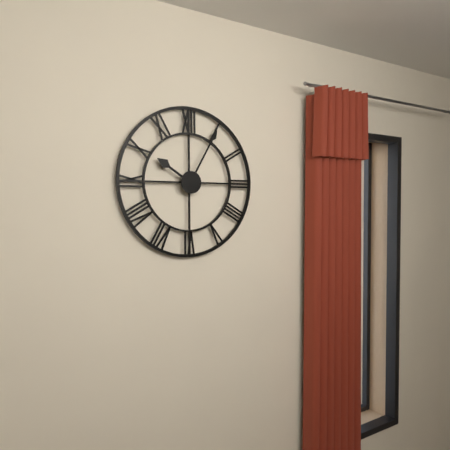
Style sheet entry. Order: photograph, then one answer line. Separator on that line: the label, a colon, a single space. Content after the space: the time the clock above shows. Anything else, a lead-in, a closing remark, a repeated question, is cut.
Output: 10:05
